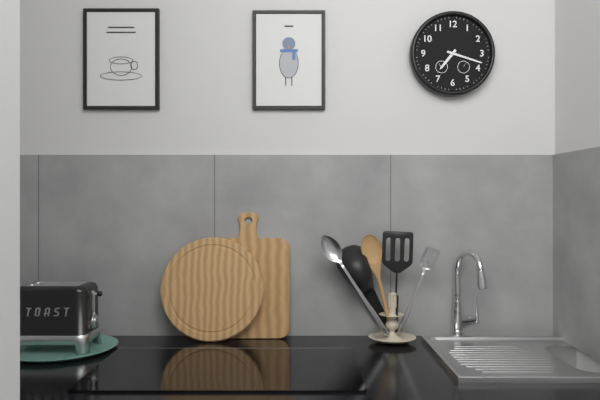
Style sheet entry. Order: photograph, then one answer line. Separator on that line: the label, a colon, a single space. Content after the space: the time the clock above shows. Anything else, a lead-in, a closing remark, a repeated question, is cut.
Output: 7:18
